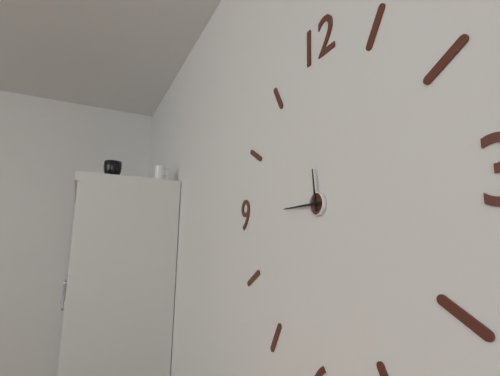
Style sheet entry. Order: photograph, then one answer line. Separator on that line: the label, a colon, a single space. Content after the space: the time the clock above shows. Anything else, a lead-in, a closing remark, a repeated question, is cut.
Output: 11:45
